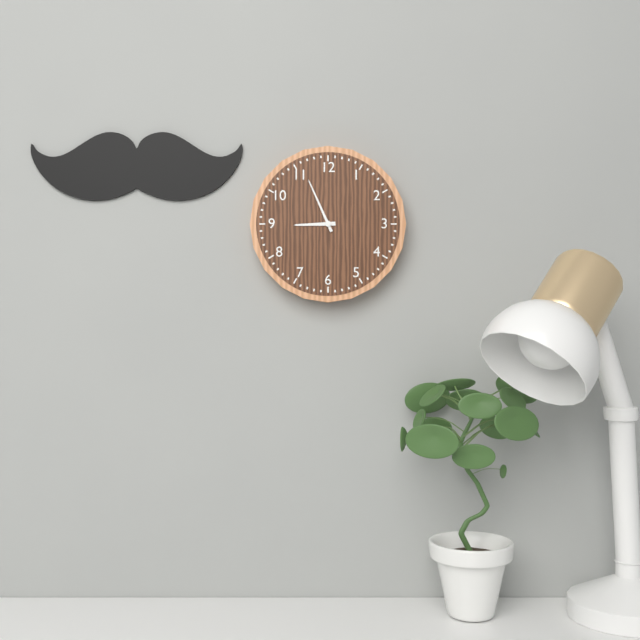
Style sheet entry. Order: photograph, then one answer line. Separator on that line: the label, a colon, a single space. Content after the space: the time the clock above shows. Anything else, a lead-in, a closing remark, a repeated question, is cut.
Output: 8:56
